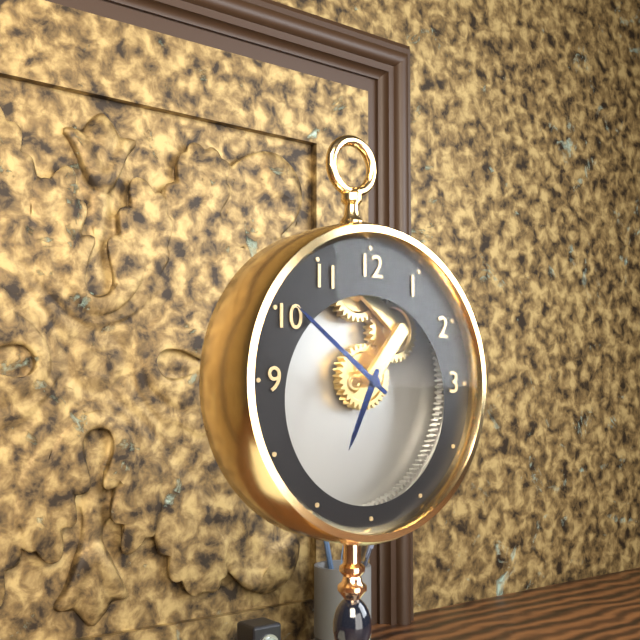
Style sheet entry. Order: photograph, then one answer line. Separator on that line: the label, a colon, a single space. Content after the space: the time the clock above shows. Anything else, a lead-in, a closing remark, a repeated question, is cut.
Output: 6:51
